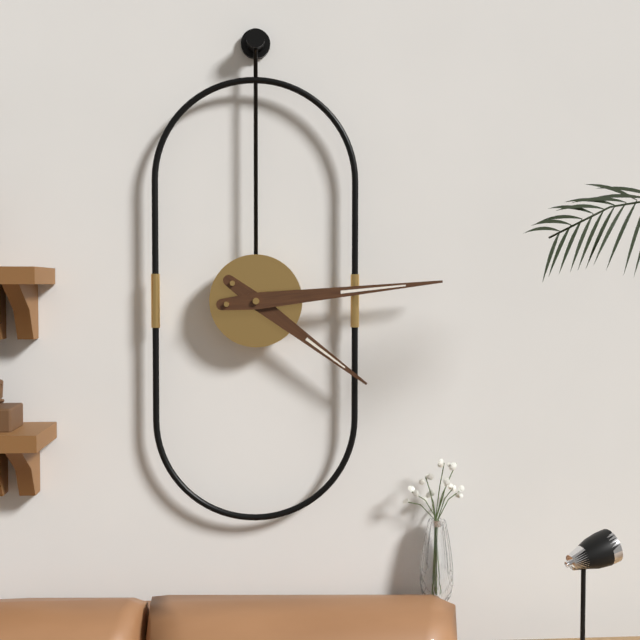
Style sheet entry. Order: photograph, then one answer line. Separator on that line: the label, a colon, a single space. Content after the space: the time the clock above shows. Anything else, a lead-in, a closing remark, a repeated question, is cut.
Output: 4:14
